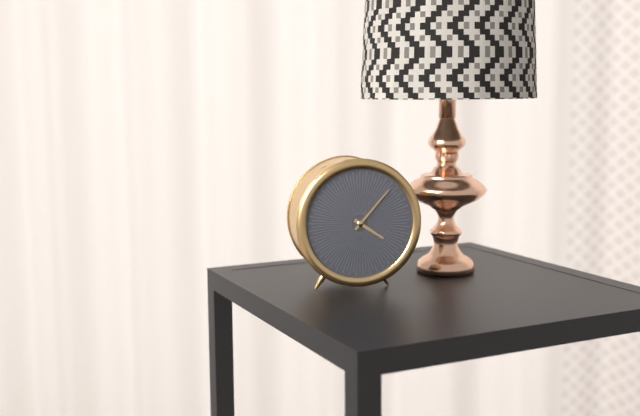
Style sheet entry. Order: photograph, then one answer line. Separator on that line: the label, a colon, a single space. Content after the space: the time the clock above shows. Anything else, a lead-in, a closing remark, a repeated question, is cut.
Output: 4:07
